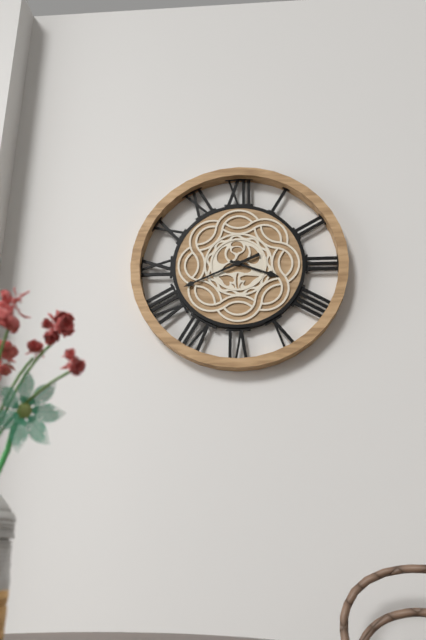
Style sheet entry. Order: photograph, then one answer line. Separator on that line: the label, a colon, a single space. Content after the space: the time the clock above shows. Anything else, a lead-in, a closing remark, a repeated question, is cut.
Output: 3:41
